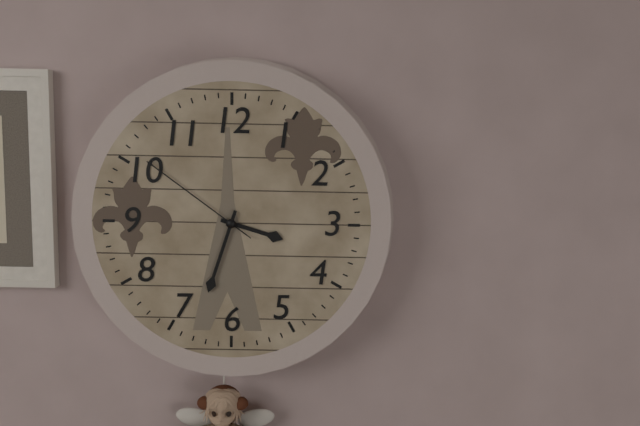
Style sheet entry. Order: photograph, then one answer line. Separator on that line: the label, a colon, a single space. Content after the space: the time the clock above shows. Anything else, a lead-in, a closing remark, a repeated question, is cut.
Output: 3:33:51
